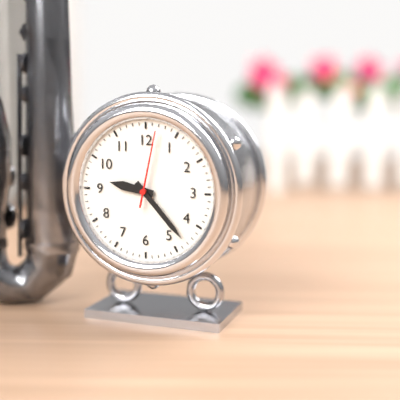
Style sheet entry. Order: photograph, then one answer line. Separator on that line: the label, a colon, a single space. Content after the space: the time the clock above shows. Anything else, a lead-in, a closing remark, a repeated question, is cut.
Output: 9:23:02
